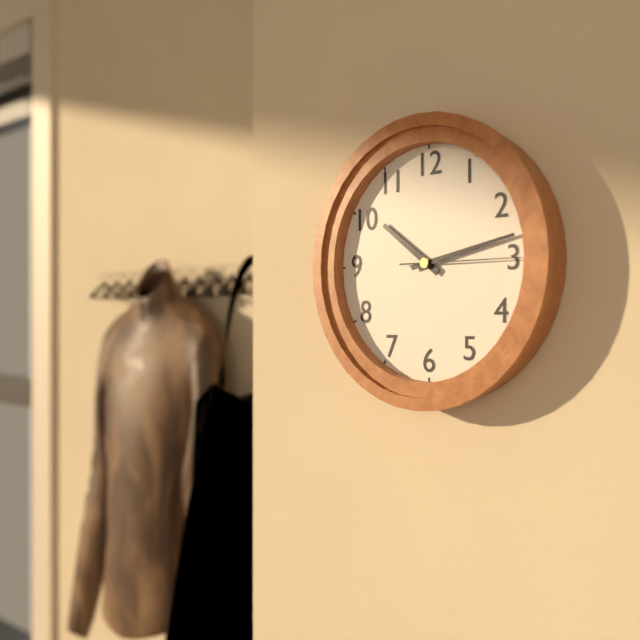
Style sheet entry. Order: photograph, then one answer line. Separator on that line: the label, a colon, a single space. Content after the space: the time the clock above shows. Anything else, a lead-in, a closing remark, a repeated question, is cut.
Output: 10:13:15
